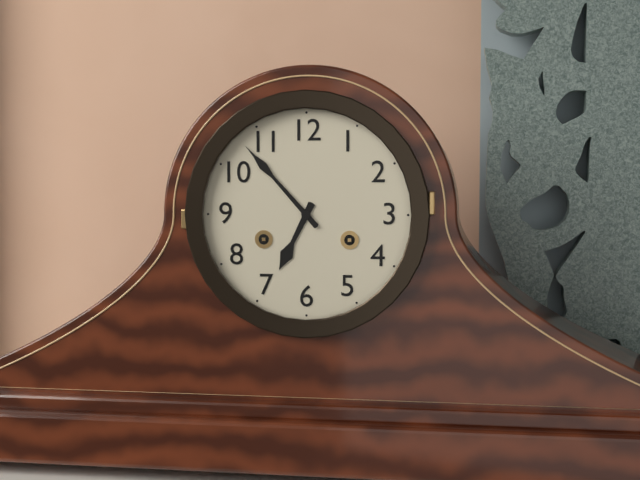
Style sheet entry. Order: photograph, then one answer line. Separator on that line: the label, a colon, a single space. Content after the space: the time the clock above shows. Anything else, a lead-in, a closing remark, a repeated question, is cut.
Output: 6:53
